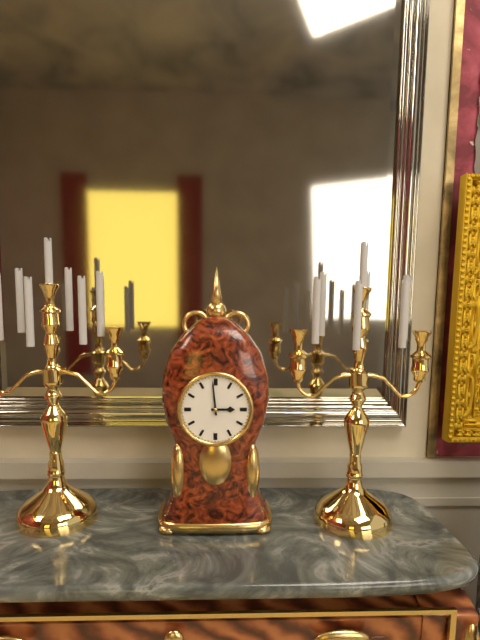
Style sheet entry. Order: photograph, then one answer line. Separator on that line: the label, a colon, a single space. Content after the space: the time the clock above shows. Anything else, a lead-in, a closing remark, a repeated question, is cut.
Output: 2:59
